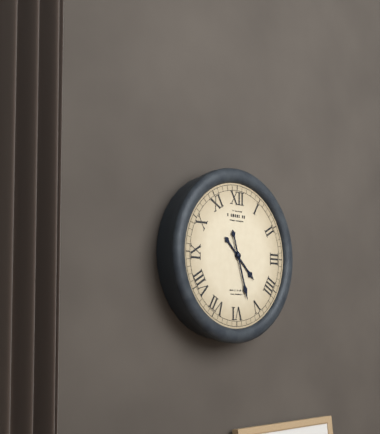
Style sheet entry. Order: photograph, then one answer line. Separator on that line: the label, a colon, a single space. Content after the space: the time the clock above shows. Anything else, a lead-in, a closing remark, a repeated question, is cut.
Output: 4:27
